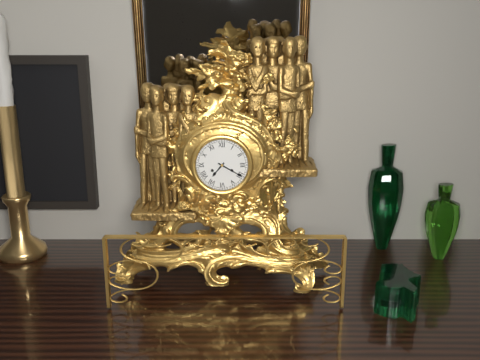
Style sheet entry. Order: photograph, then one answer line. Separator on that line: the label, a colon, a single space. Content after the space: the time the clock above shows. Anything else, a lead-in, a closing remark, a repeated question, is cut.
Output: 7:20
